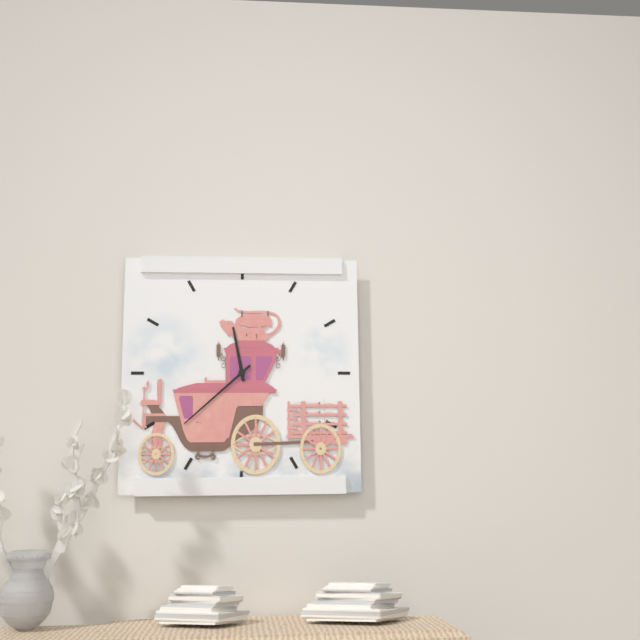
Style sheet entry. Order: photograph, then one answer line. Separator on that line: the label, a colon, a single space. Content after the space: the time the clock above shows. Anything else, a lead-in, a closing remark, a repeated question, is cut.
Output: 11:38
